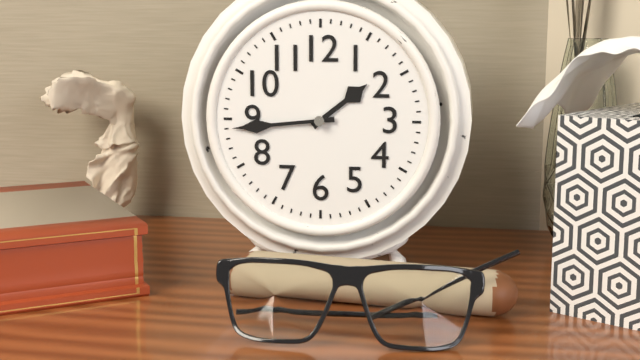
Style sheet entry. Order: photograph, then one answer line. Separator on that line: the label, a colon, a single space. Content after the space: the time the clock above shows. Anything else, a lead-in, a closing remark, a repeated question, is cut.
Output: 1:44
